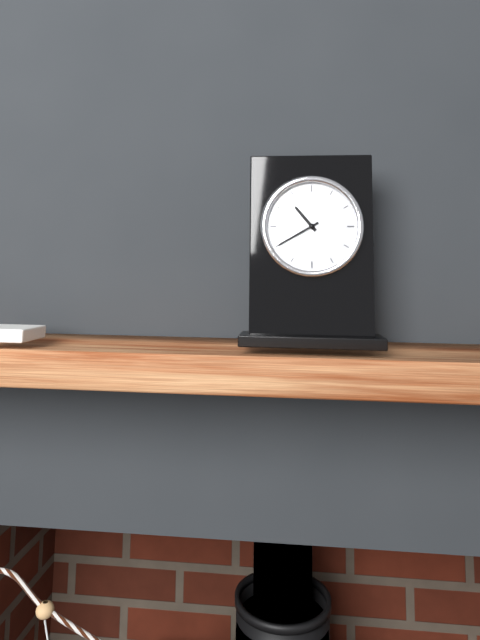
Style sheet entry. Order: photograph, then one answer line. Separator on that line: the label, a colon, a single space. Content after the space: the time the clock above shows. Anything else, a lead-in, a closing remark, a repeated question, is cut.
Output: 10:40
